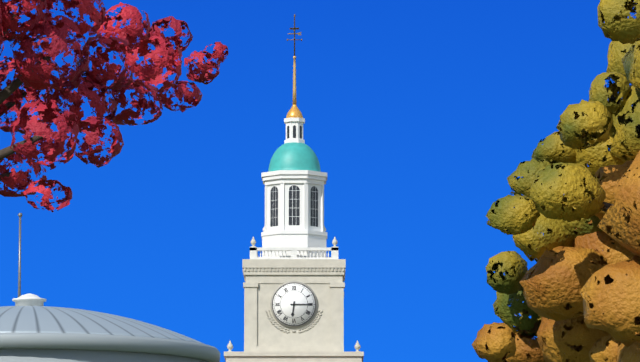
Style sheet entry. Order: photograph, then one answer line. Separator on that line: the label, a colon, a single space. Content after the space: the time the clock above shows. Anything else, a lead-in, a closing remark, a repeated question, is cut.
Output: 6:15
